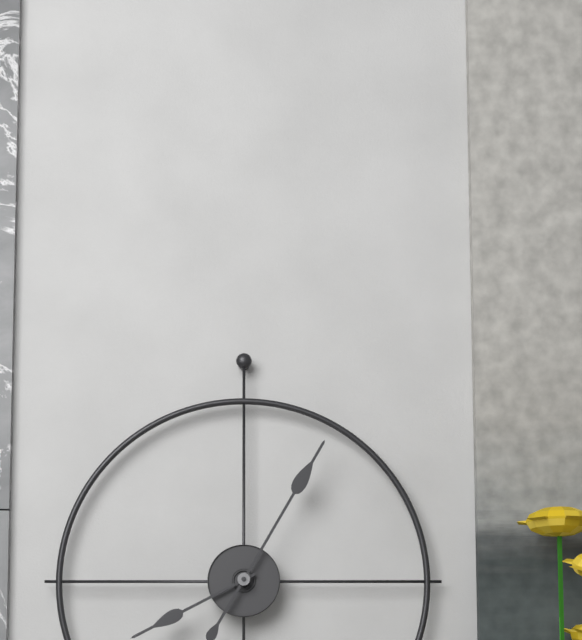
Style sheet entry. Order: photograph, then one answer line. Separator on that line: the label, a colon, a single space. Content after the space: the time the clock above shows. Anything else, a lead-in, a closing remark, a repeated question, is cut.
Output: 8:05
